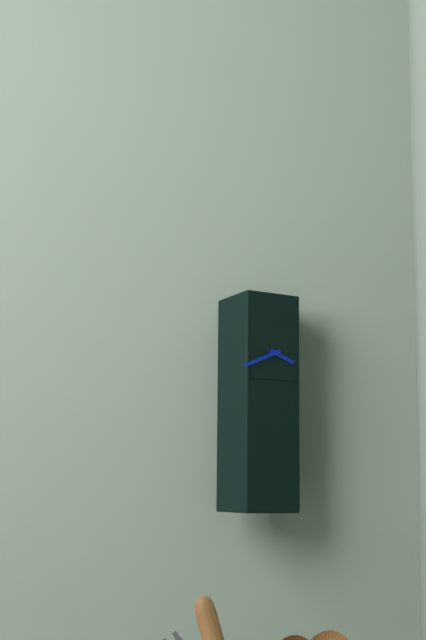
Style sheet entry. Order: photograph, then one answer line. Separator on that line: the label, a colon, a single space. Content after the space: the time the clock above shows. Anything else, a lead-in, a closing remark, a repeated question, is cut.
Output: 3:41
